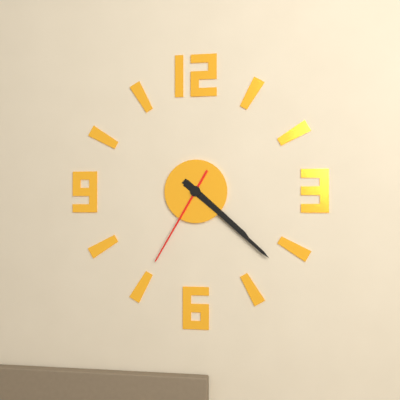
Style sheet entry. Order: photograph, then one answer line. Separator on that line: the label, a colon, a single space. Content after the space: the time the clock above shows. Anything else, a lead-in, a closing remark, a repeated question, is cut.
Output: 4:22:35
